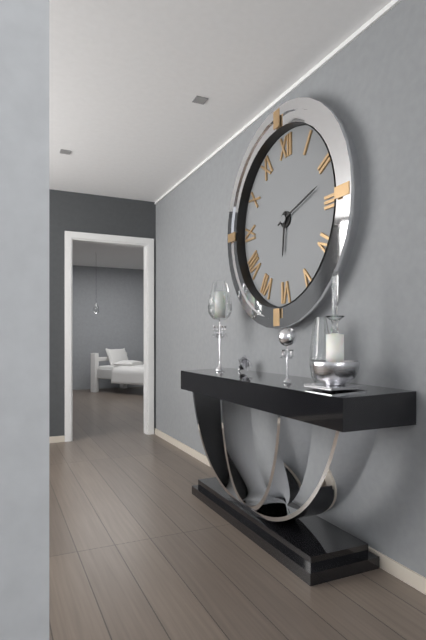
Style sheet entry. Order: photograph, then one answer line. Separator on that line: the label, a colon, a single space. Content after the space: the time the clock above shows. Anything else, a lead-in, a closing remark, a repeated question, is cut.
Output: 6:12
